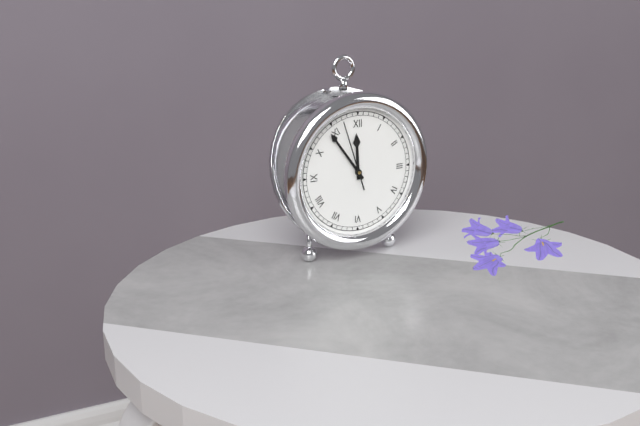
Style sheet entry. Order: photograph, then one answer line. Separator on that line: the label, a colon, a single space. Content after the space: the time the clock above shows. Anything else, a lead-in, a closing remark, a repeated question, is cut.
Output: 11:54:57
